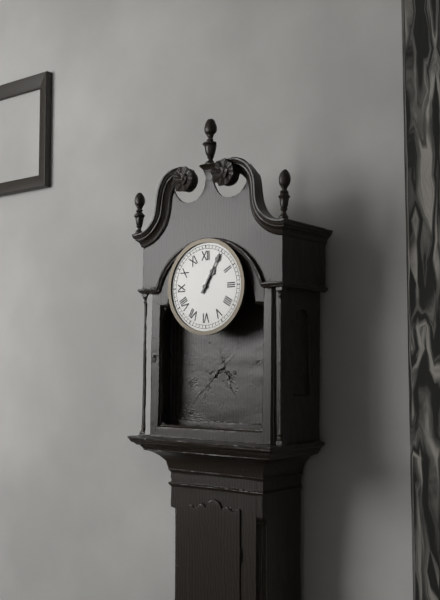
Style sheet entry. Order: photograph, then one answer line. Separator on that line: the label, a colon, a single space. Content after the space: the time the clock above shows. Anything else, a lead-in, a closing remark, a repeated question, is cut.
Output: 1:05
